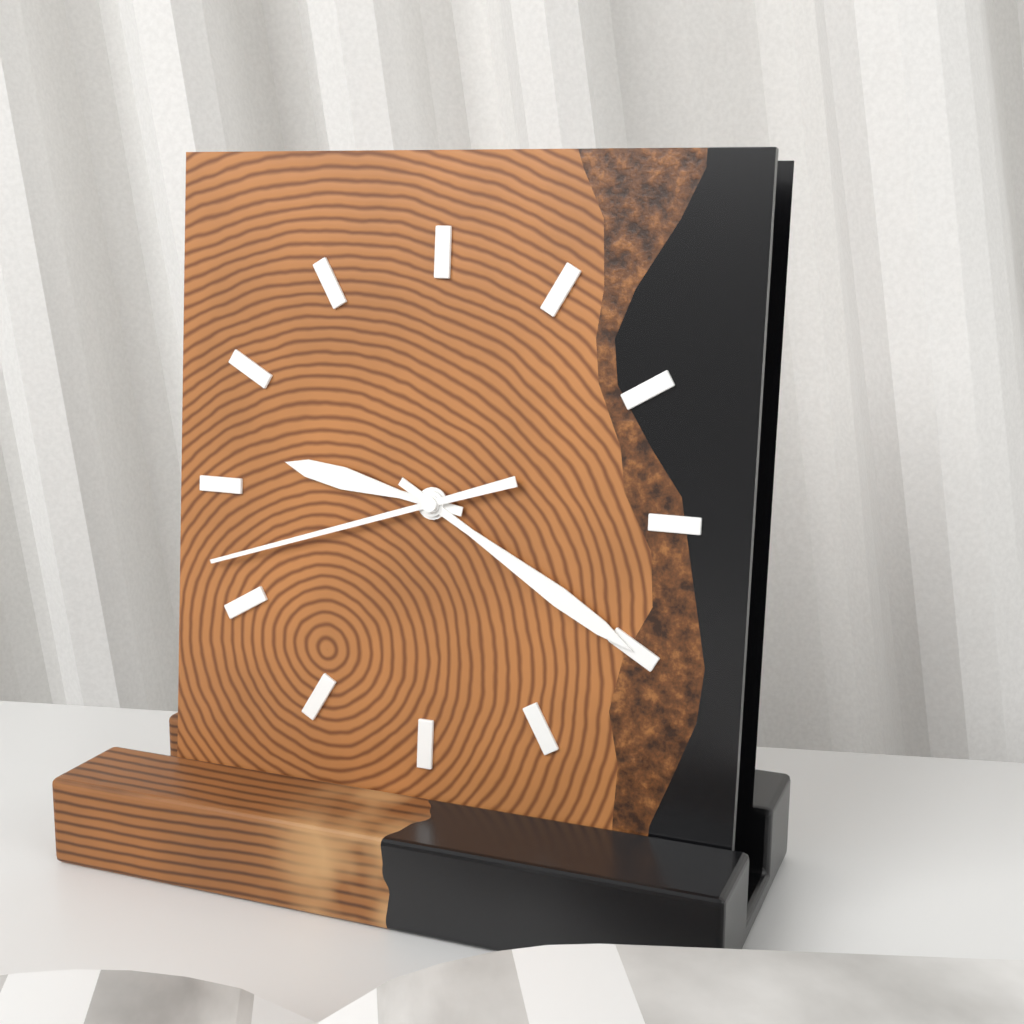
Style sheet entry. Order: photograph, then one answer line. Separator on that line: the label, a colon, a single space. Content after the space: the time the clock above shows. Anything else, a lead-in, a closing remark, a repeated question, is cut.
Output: 9:20:42
